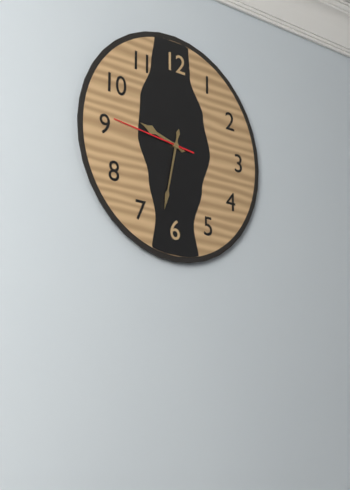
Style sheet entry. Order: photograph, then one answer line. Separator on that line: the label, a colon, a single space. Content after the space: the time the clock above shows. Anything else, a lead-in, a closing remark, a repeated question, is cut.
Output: 9:32:46
